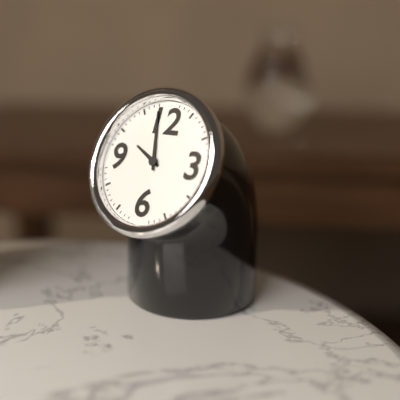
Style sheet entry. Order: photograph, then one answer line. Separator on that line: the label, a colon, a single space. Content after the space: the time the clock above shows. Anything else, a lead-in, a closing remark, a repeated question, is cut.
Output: 9:58
